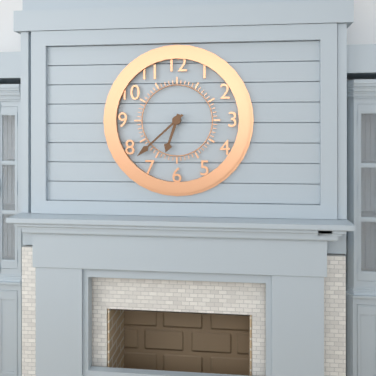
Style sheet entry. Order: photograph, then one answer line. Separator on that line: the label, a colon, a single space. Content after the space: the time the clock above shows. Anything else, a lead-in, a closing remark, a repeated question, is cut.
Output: 6:38
